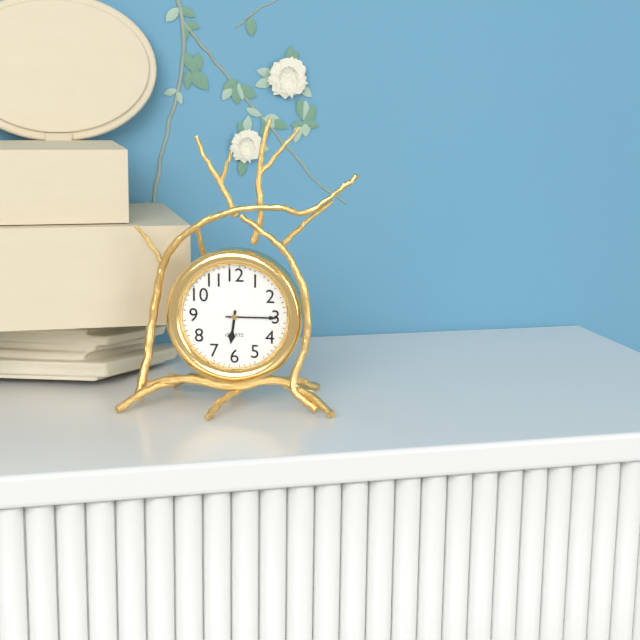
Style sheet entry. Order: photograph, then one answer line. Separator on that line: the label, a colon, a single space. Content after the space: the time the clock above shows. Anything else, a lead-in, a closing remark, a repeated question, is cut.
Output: 6:15
